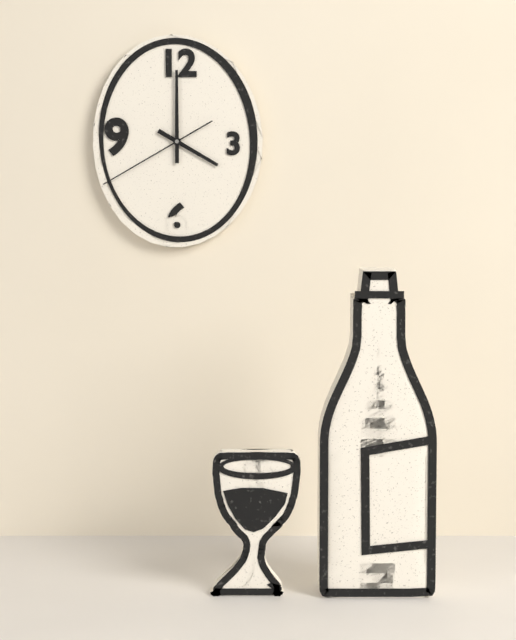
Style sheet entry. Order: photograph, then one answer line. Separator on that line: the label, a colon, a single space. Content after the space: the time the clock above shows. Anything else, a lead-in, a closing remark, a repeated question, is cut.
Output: 4:00:40
